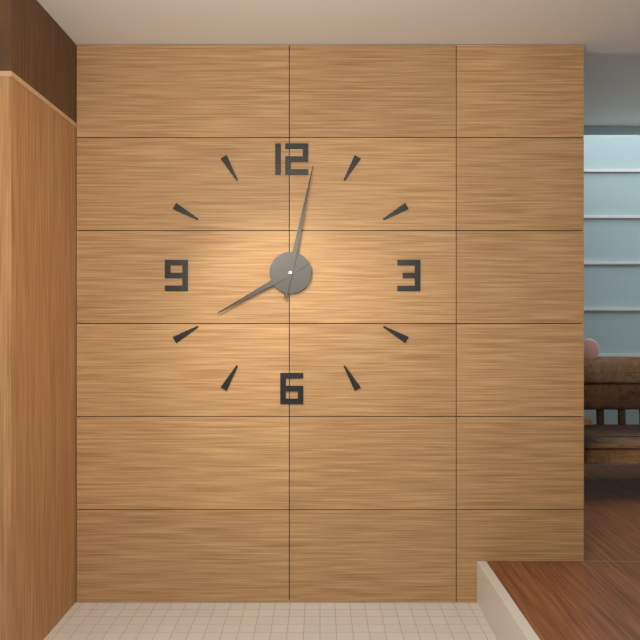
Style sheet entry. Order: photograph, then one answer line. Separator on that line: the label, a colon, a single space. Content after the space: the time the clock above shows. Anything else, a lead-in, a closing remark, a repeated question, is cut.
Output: 8:02
